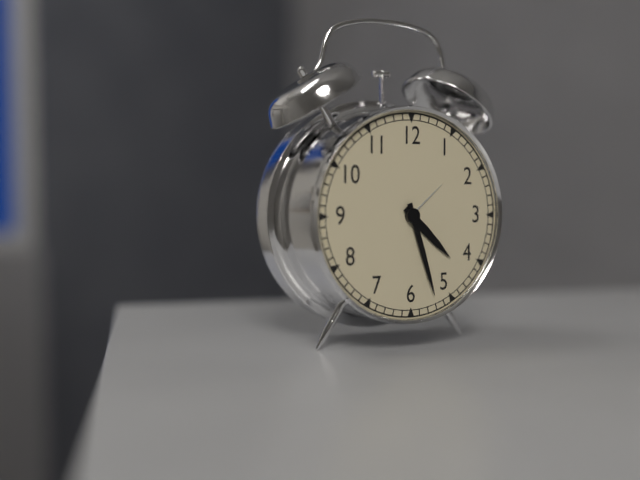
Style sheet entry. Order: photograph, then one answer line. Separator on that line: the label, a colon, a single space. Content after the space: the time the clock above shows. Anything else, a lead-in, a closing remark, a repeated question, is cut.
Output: 4:27
